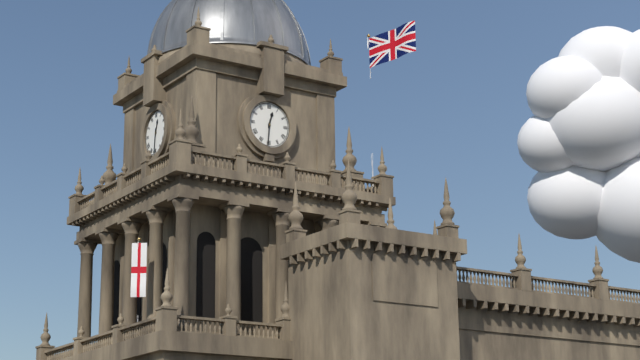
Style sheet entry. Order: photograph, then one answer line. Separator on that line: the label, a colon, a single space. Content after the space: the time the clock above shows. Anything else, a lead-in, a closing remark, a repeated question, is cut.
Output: 12:31
